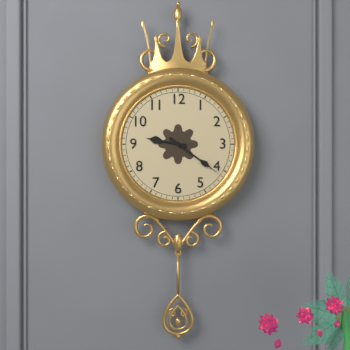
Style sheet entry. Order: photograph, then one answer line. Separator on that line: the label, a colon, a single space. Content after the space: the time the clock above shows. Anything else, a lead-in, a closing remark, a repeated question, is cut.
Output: 9:21
